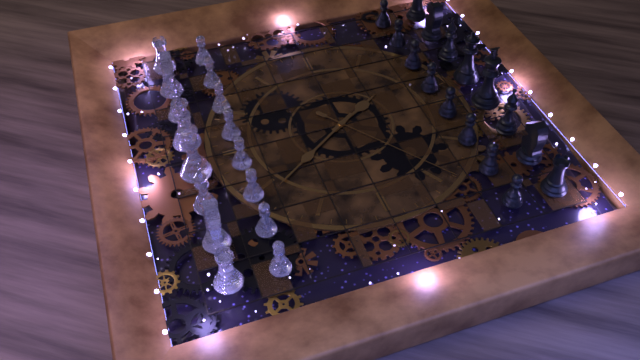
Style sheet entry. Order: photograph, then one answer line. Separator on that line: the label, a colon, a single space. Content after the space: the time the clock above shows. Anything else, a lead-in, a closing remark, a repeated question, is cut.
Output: 4:54:39
